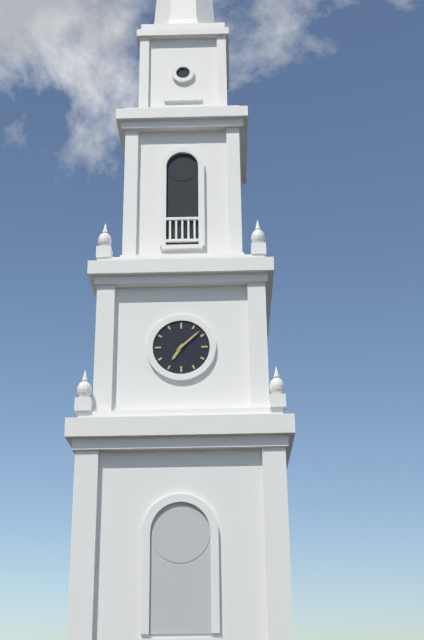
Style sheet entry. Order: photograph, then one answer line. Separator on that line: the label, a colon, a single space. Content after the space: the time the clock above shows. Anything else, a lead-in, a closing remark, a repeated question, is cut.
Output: 7:08
